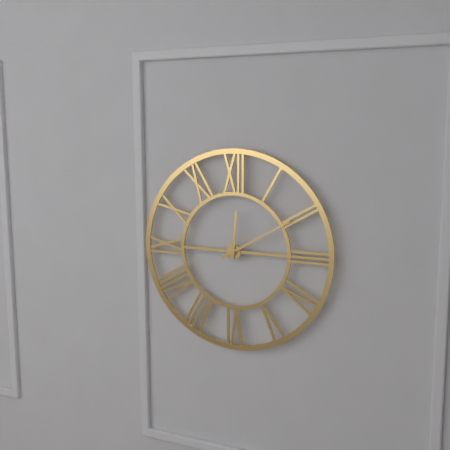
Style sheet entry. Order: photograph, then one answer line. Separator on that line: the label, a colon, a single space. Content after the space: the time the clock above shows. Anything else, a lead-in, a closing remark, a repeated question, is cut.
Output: 12:10
